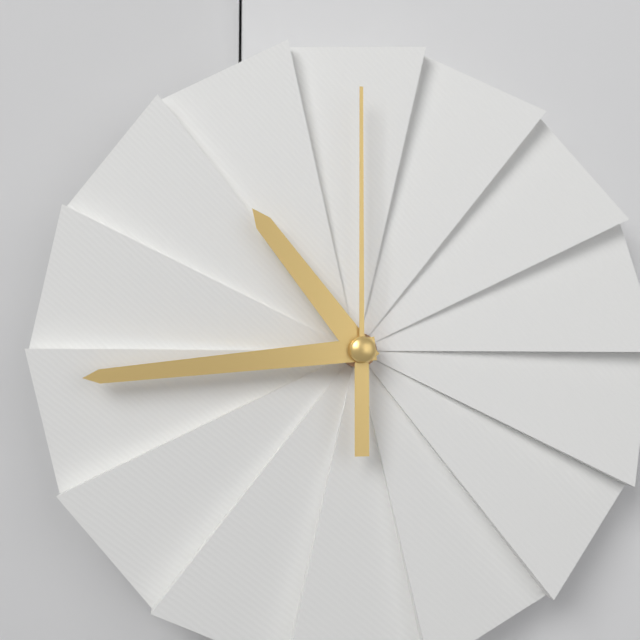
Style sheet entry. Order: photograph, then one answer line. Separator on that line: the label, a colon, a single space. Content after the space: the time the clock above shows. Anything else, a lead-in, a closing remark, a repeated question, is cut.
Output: 10:44:00
